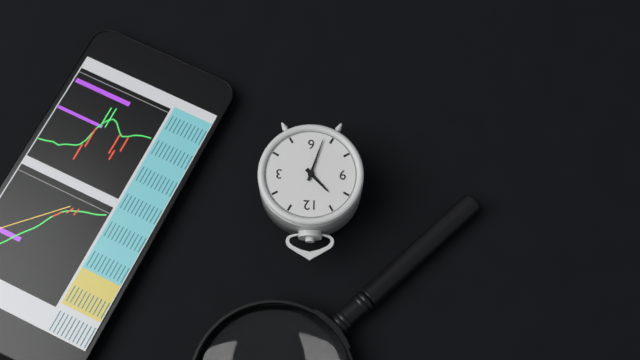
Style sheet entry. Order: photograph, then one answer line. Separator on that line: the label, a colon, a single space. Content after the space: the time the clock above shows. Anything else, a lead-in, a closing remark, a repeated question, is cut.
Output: 10:33
